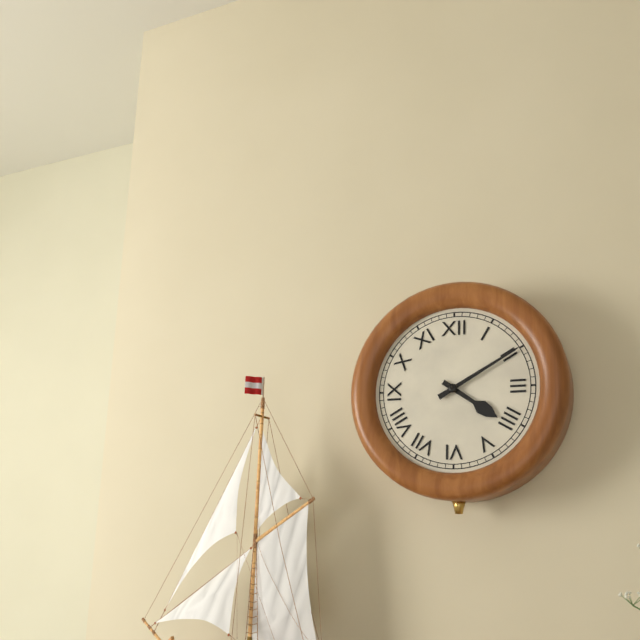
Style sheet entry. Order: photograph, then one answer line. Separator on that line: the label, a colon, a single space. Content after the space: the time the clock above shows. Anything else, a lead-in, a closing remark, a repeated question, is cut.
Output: 4:10
